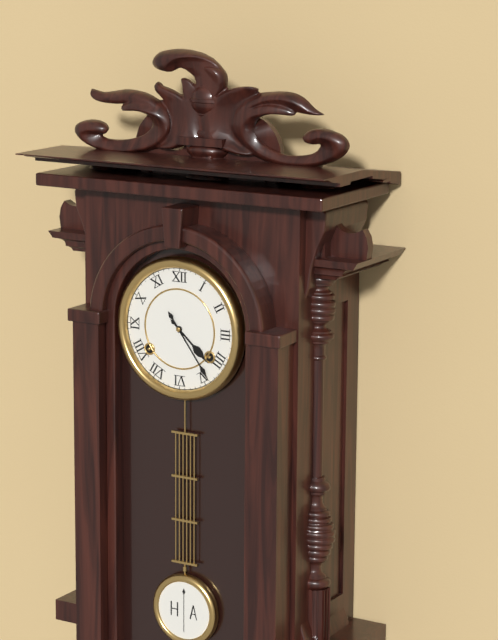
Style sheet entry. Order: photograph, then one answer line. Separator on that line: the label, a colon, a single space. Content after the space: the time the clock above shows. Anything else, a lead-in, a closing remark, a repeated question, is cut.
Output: 4:24
